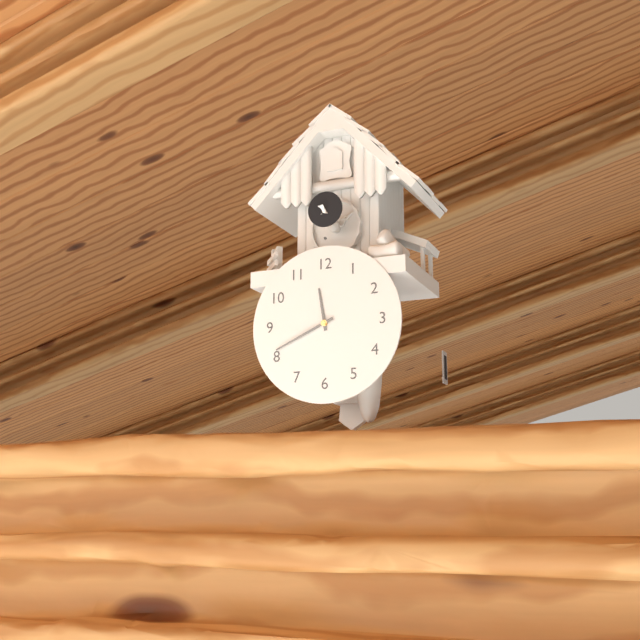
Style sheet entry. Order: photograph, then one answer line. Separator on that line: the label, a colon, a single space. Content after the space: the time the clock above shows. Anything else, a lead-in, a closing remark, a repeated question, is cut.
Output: 11:41
